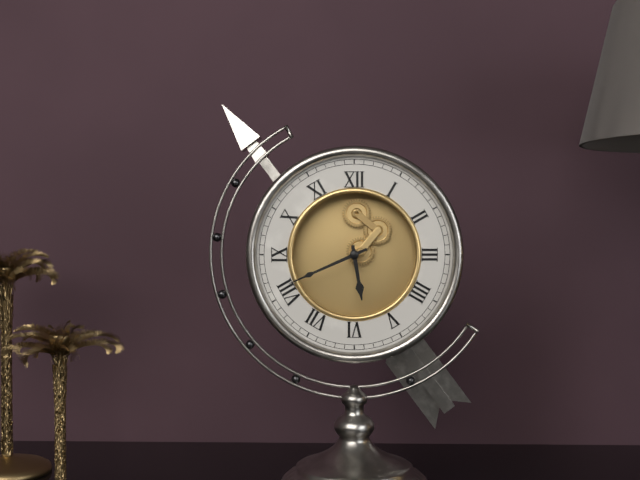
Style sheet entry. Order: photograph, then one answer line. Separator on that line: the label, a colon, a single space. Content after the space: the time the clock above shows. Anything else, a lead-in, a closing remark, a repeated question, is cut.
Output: 5:41
